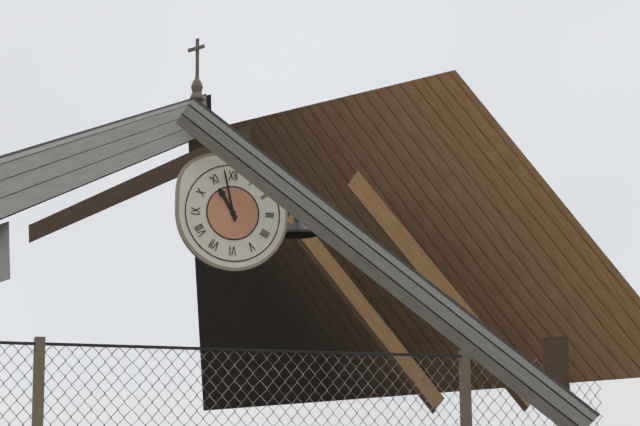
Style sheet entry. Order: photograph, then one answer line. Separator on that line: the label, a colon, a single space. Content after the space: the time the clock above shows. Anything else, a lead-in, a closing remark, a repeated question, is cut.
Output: 10:58
